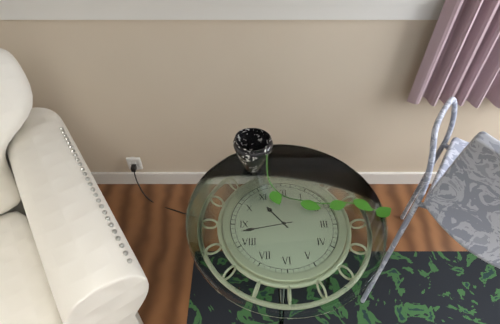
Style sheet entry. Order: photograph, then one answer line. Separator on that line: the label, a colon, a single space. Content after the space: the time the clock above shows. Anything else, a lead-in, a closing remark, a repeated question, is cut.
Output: 10:43
